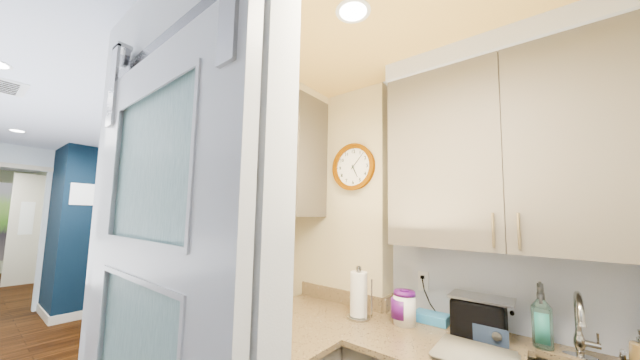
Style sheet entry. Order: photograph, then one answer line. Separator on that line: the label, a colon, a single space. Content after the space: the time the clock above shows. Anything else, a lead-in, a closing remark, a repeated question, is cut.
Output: 5:07
